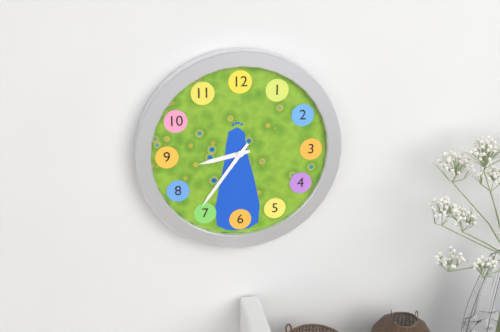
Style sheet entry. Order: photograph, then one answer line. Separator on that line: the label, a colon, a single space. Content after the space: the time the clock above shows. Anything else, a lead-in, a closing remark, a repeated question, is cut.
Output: 8:36
